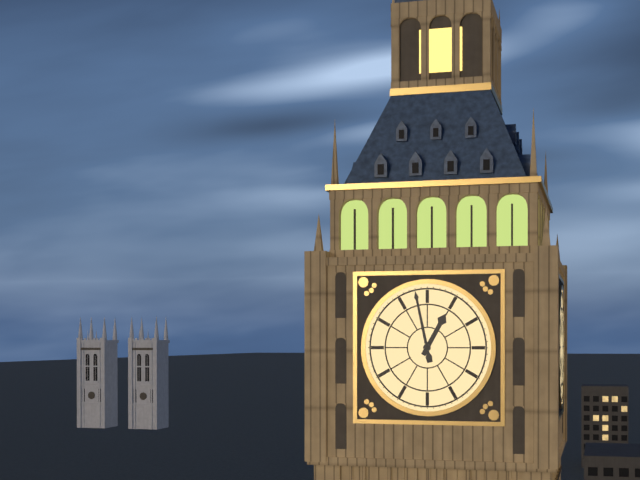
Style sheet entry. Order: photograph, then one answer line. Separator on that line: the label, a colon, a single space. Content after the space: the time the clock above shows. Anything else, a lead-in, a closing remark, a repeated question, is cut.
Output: 12:58
